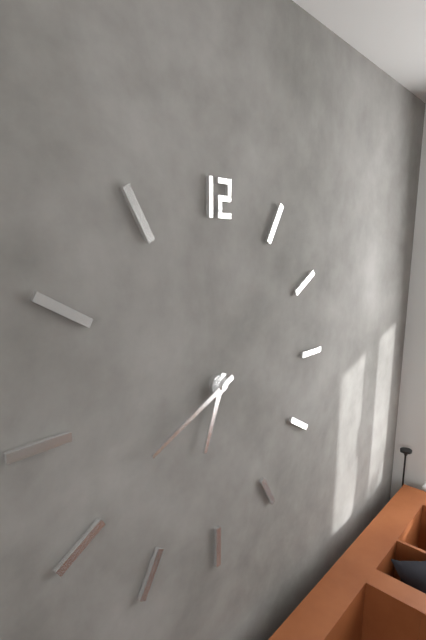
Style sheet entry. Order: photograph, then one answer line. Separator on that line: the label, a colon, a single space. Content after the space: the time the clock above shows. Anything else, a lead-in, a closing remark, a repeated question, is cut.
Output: 6:41
